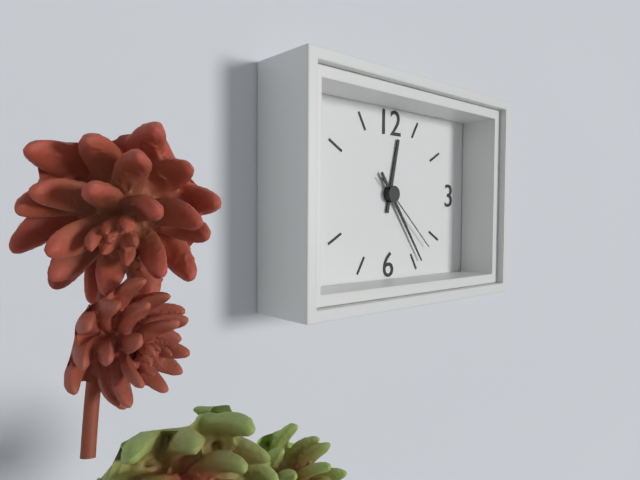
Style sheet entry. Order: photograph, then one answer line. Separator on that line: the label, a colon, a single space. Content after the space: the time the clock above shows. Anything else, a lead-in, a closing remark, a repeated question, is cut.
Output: 12:24:22
